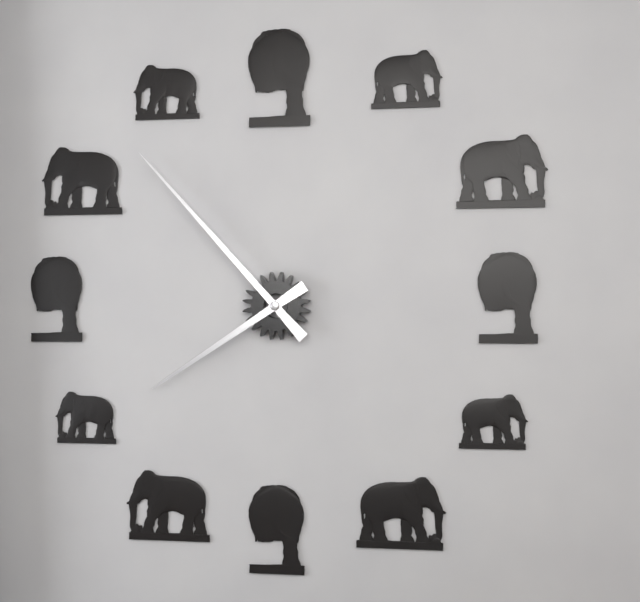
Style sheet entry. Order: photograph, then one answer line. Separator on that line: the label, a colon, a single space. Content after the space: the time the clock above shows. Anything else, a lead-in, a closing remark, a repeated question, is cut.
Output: 7:53
